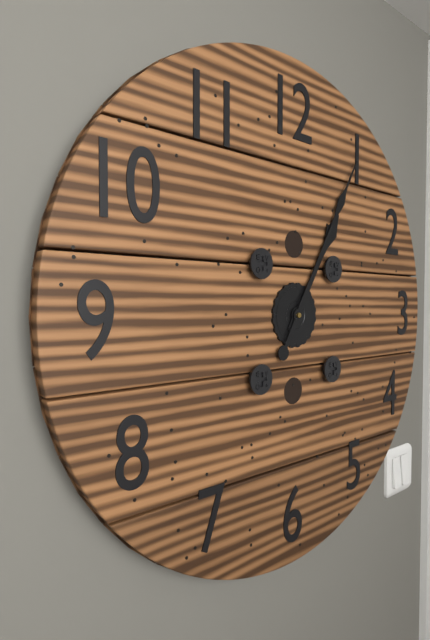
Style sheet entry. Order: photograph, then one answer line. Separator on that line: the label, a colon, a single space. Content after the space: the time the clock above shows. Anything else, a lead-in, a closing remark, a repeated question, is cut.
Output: 1:05
